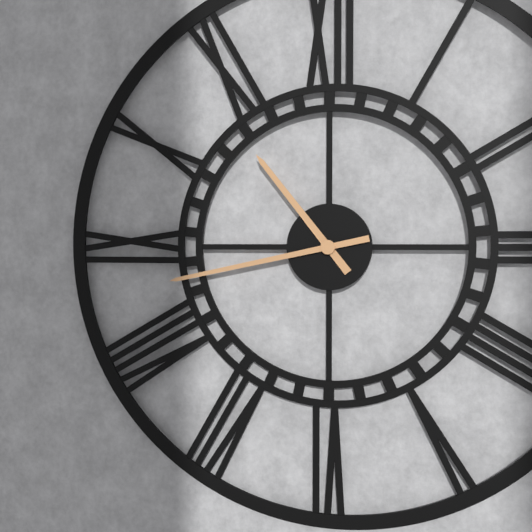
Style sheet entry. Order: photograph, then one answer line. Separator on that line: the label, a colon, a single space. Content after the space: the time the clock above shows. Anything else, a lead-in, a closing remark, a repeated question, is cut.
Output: 10:43
